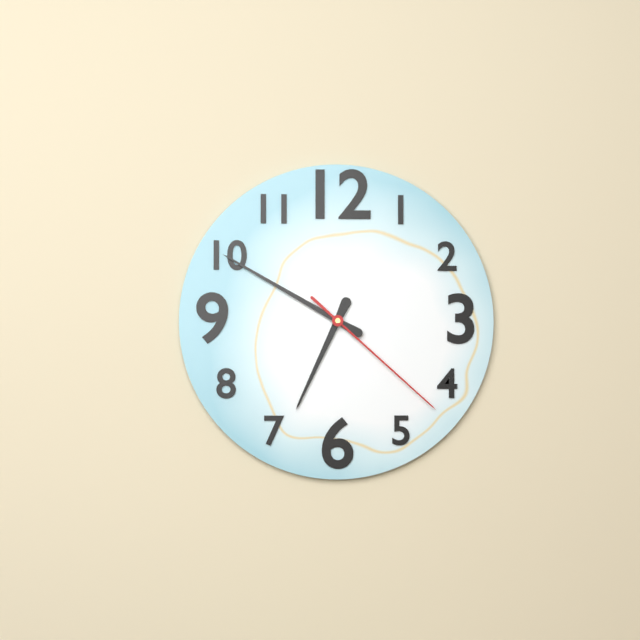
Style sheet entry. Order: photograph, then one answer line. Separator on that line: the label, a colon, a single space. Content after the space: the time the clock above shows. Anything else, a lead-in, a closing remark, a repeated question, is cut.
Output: 6:50:22
